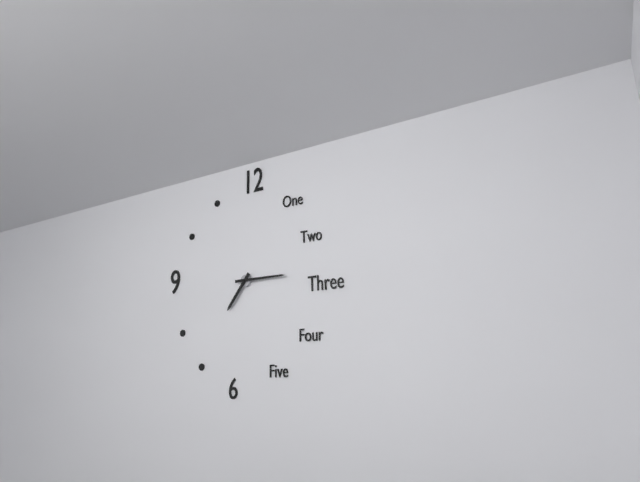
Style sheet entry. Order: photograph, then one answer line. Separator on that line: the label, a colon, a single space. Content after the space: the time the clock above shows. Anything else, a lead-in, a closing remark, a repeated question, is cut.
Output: 7:15
